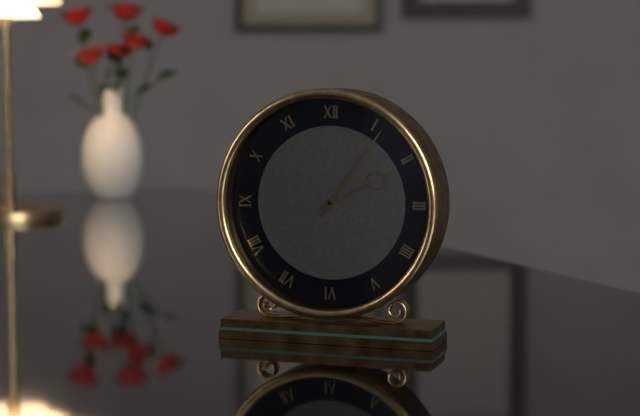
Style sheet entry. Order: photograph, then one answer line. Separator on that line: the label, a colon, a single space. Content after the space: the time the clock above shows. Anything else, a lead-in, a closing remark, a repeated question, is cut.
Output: 2:06
